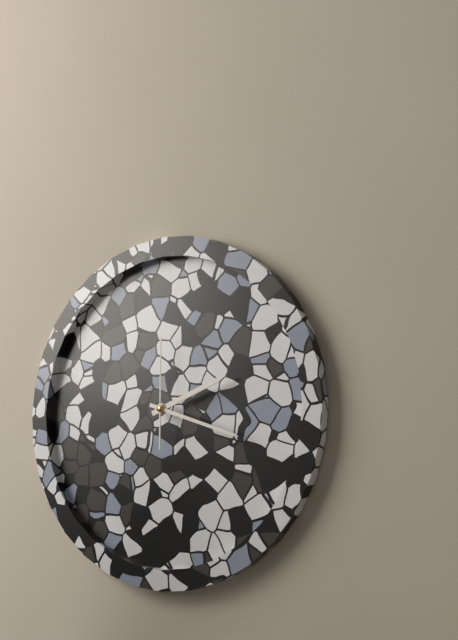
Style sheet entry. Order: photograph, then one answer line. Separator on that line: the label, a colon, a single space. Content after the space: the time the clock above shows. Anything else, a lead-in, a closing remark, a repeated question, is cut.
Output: 2:18:00
